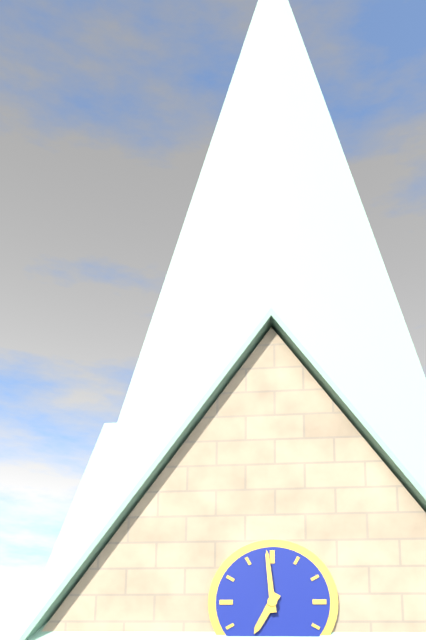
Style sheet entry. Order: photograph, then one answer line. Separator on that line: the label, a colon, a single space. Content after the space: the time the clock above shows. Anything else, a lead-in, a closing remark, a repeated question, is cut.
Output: 6:59
